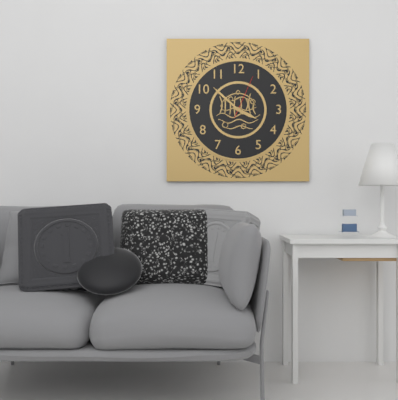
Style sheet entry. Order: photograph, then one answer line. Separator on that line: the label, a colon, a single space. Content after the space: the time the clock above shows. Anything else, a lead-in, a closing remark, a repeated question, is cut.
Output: 3:52
